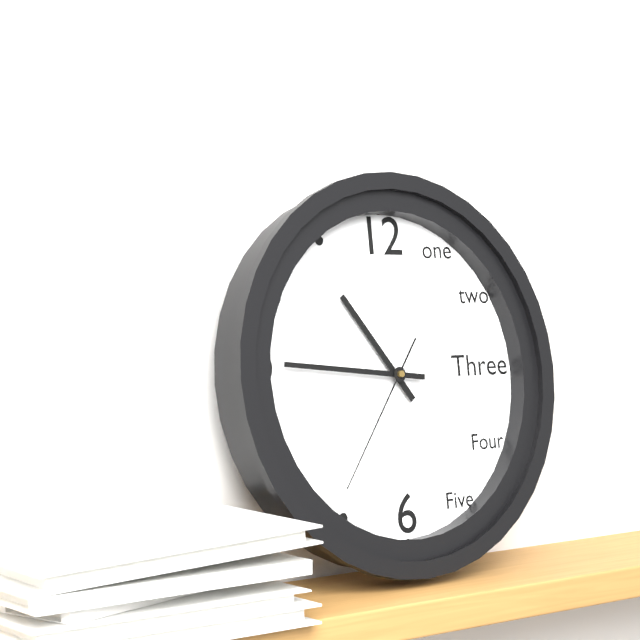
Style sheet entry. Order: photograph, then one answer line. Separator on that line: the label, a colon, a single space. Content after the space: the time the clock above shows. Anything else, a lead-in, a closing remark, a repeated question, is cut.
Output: 10:46:36
